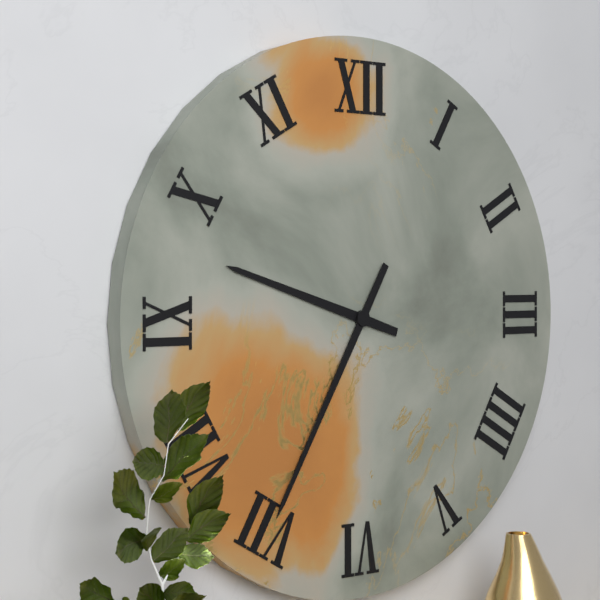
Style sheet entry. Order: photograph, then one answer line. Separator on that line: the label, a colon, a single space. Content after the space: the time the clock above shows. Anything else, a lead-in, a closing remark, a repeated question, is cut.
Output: 9:35
